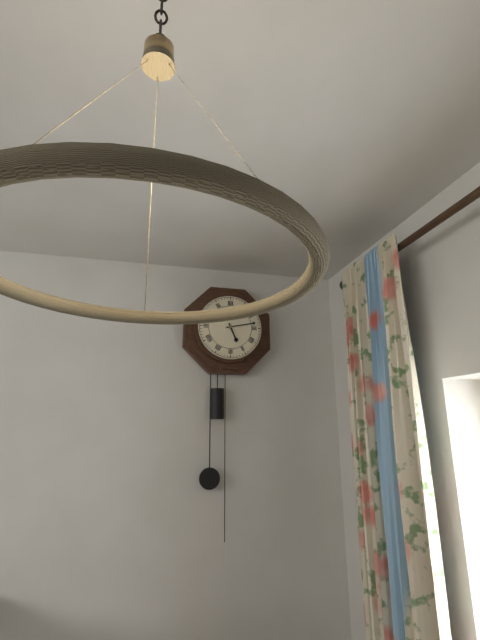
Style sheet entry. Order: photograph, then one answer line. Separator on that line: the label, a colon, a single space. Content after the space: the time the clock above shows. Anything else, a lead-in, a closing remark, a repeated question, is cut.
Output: 5:13
